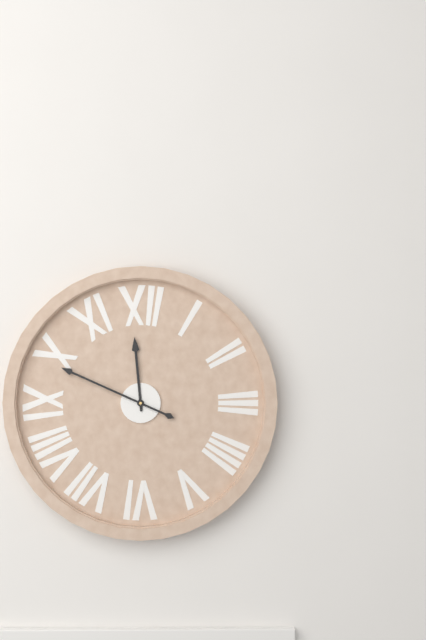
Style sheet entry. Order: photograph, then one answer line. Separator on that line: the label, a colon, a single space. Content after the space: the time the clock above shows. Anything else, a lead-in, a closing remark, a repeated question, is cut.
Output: 11:49
